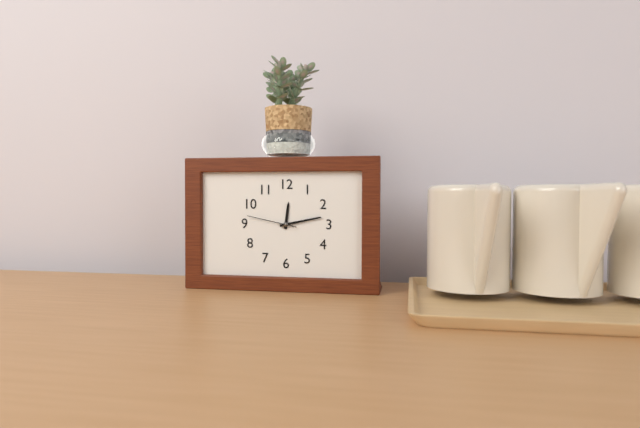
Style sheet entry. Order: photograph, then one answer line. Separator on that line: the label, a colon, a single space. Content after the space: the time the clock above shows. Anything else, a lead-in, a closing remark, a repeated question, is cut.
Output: 12:13
